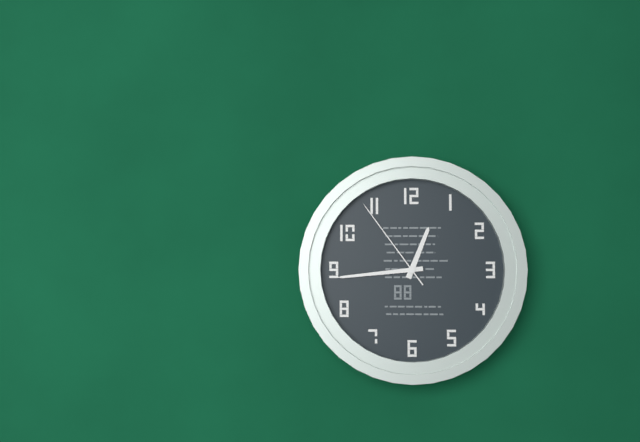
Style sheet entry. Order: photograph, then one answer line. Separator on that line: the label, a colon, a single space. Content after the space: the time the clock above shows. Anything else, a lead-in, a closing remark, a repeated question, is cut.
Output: 12:44:54
